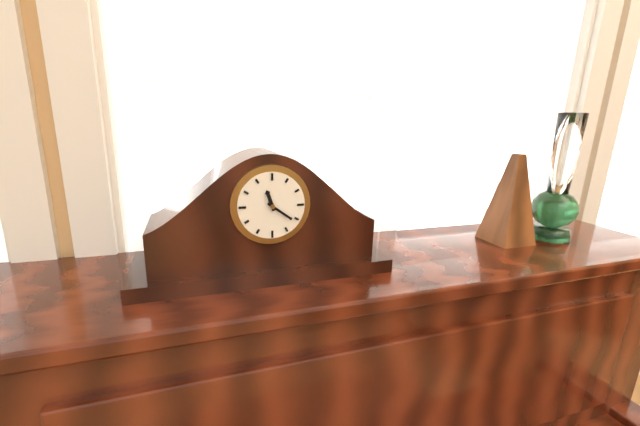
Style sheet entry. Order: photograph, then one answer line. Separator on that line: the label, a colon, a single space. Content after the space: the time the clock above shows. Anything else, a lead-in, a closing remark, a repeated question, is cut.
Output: 11:21
